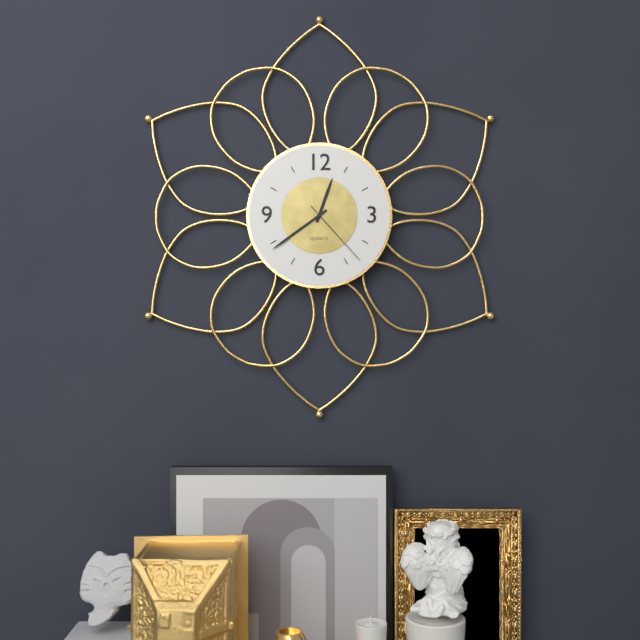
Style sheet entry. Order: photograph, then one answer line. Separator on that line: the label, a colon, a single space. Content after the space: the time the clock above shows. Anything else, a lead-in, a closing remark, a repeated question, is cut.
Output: 12:39:23
